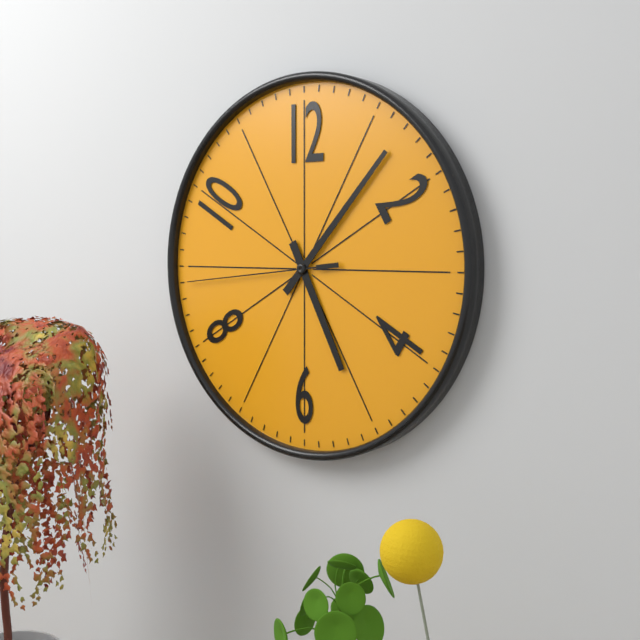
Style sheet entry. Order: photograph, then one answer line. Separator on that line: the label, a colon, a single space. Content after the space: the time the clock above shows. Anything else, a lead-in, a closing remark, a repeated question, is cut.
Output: 5:07:44
